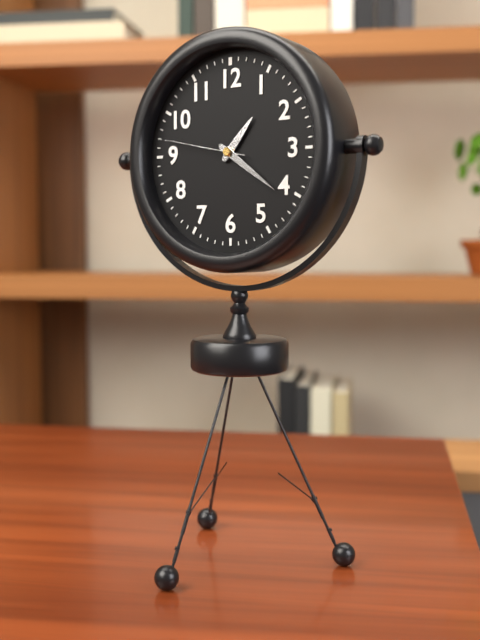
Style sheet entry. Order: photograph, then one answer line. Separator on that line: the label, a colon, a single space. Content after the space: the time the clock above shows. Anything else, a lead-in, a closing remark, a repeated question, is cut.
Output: 1:21:47
